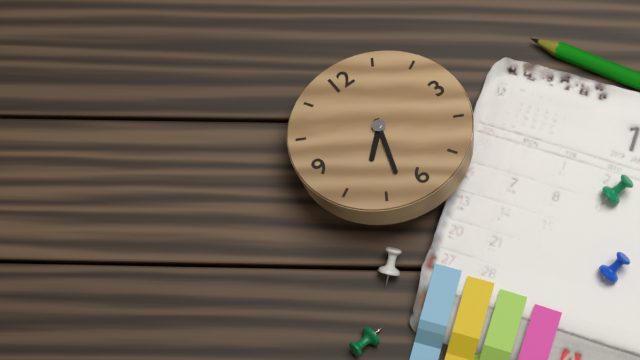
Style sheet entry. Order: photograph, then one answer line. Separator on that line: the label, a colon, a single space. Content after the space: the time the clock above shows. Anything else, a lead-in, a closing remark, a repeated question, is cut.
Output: 7:33
